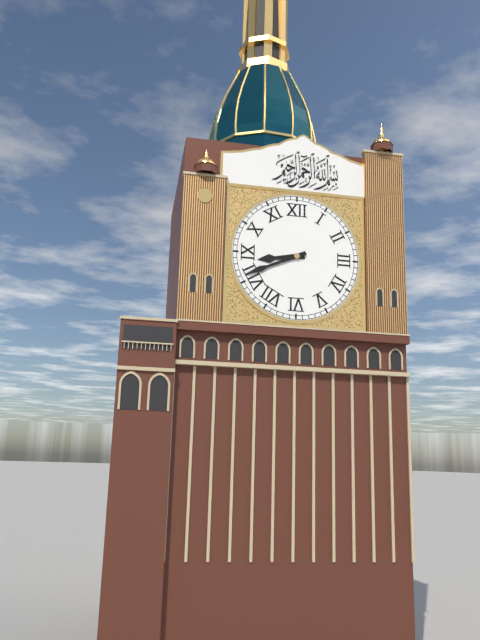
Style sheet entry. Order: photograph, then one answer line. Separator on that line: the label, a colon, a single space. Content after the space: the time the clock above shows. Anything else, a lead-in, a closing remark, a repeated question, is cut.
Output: 8:41
